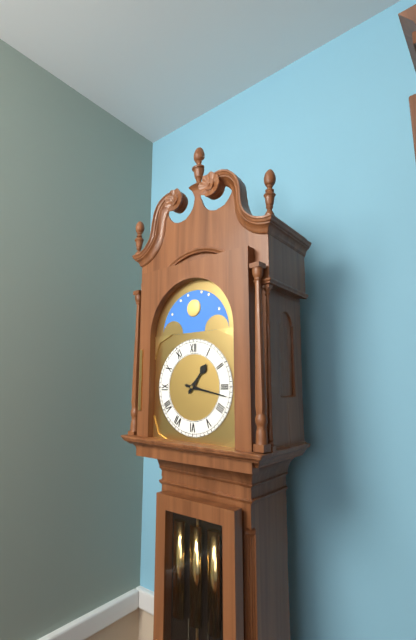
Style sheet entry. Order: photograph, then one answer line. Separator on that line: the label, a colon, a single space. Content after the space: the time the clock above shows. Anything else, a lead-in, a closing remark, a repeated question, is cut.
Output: 1:17
